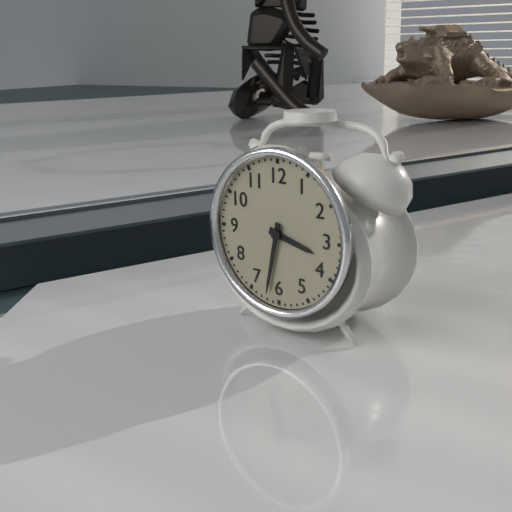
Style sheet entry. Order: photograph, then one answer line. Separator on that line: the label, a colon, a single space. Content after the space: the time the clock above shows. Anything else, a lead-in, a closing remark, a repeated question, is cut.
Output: 3:32
